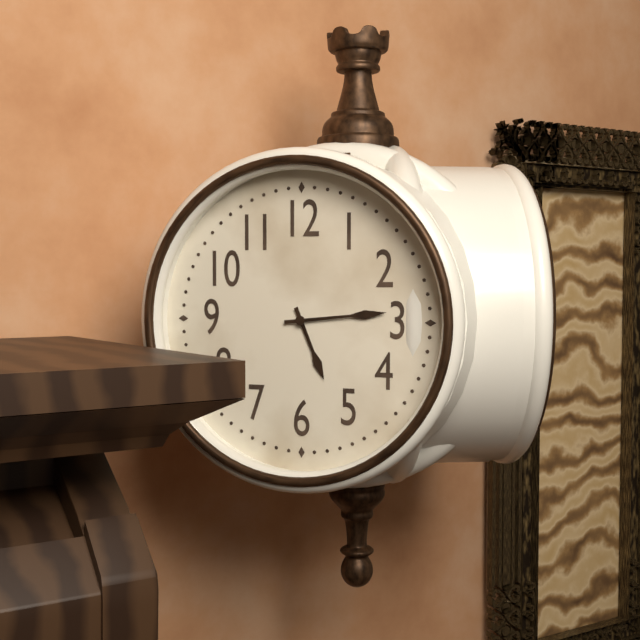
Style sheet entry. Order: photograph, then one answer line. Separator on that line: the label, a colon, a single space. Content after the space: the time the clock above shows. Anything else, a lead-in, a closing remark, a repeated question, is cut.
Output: 5:14
